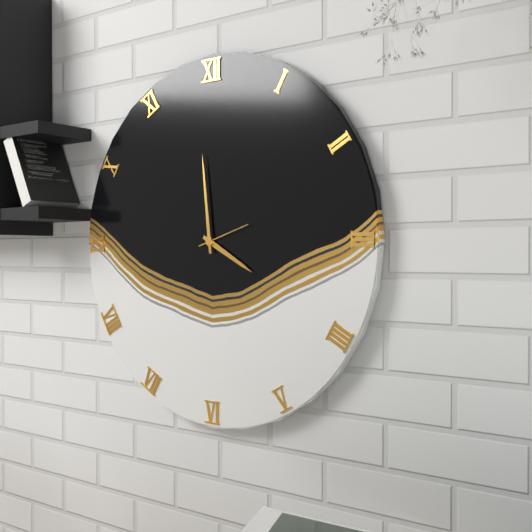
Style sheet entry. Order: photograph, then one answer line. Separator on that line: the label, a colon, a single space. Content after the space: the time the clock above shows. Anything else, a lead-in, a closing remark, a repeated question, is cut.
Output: 3:59
